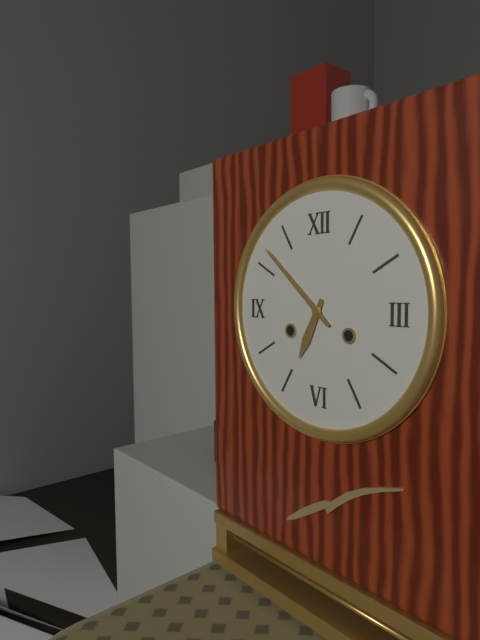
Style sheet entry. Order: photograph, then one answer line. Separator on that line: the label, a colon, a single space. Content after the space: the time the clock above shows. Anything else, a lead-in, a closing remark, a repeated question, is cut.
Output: 6:52
